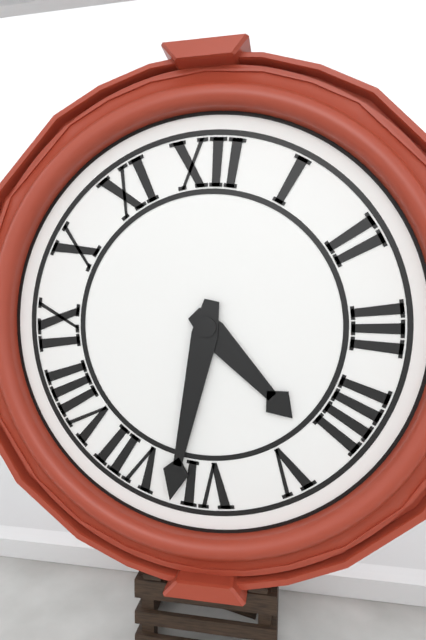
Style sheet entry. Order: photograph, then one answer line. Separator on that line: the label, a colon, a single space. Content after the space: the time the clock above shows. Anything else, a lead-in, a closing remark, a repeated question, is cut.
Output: 4:32
